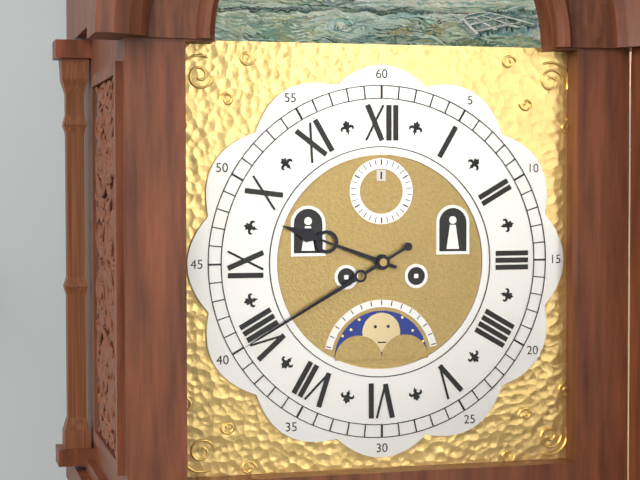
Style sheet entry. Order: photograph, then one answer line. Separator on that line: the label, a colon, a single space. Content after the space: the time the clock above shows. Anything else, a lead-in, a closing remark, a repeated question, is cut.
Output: 9:40
